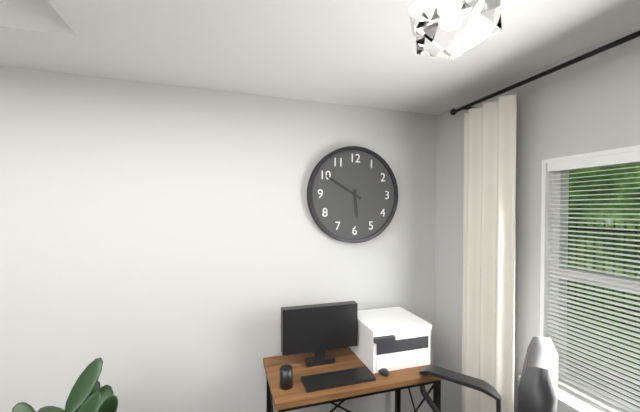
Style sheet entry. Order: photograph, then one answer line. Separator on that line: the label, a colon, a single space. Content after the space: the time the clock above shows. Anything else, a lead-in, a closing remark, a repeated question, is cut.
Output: 5:50
